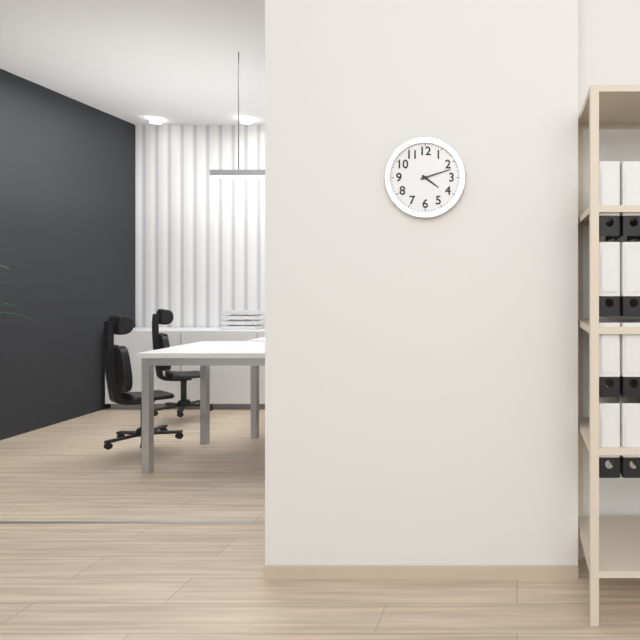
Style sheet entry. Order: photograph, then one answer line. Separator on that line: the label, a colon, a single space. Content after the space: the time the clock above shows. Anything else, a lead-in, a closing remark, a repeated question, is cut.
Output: 4:12
